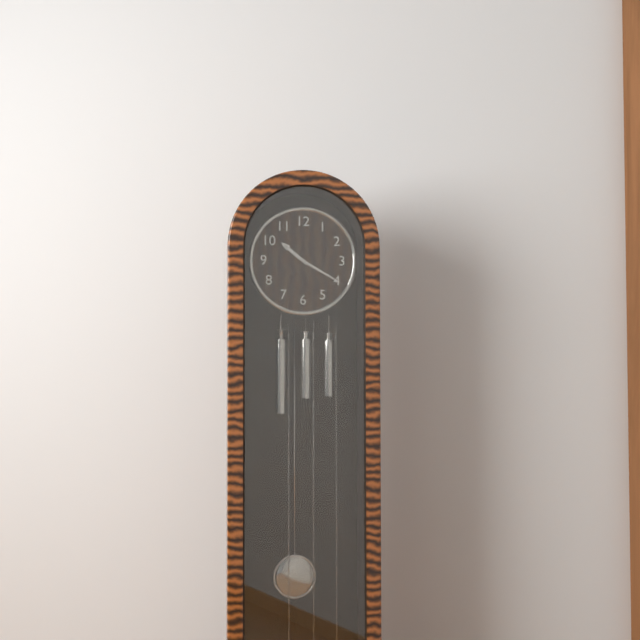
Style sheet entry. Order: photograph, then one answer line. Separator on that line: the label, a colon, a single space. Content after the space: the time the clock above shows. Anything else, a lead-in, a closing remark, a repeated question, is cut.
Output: 10:20
